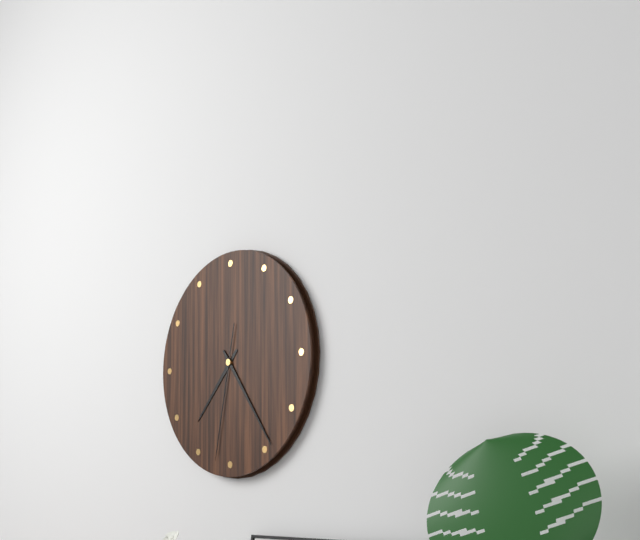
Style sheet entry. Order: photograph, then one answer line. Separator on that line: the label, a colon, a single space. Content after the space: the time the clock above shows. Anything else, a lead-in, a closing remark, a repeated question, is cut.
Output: 7:24:32
